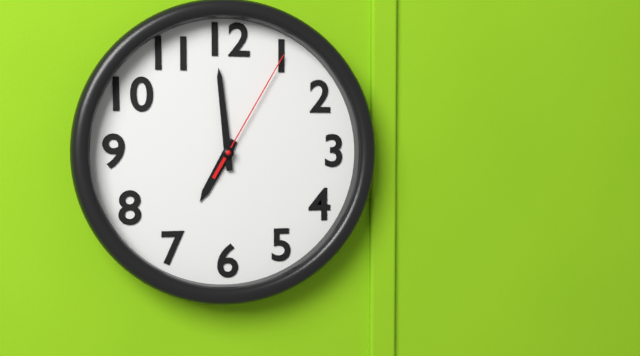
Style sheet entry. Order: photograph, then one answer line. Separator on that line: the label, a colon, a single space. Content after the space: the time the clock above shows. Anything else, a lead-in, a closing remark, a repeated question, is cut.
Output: 6:59:05
